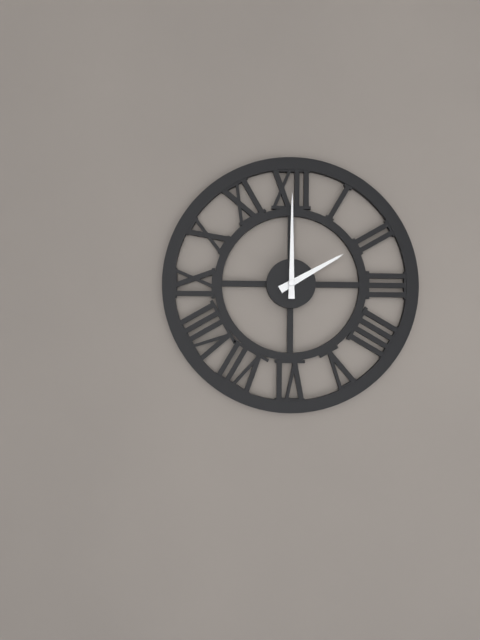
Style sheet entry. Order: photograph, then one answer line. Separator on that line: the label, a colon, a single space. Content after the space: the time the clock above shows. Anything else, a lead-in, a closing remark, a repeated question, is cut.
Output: 2:00
